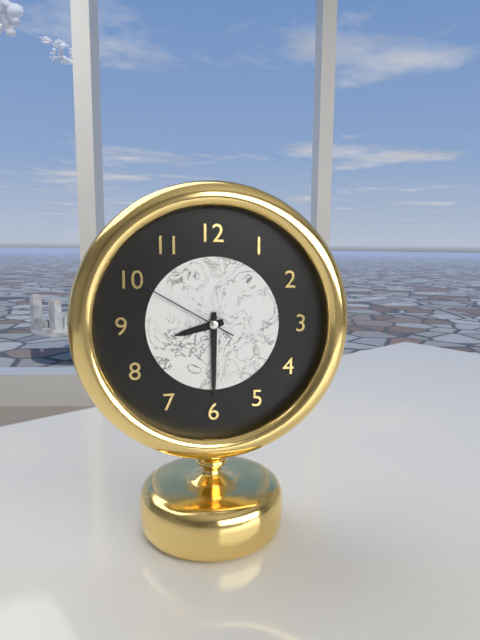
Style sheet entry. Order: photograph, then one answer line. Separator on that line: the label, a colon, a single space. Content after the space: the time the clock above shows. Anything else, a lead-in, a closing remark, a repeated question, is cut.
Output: 8:30:50
